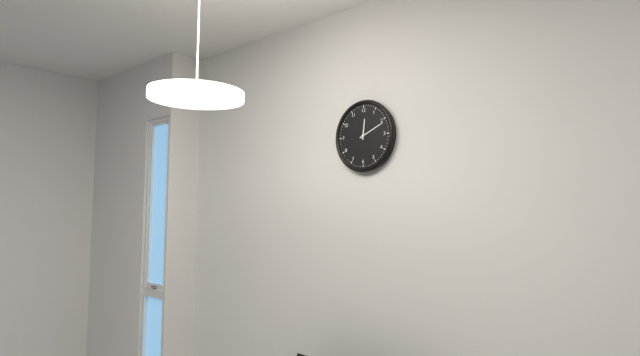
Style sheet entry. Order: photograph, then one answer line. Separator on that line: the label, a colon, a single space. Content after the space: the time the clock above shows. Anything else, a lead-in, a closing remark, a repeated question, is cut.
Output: 12:11
